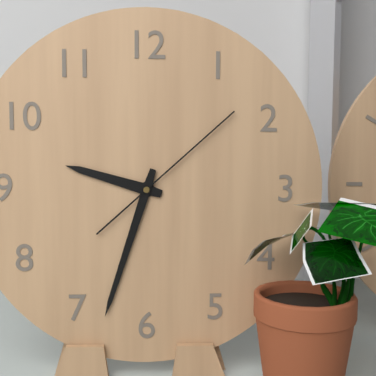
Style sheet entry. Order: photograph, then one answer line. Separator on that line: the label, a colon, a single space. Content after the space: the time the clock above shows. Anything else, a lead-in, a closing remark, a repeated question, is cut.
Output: 9:33:08
